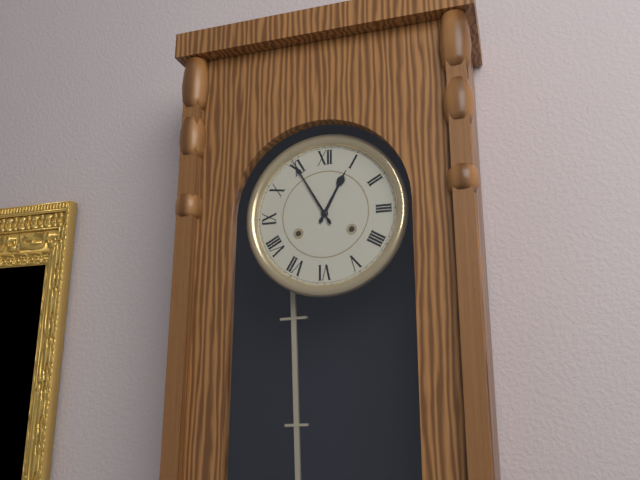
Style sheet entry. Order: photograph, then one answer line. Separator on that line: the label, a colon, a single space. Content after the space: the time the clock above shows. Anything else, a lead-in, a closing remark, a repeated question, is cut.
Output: 12:55
